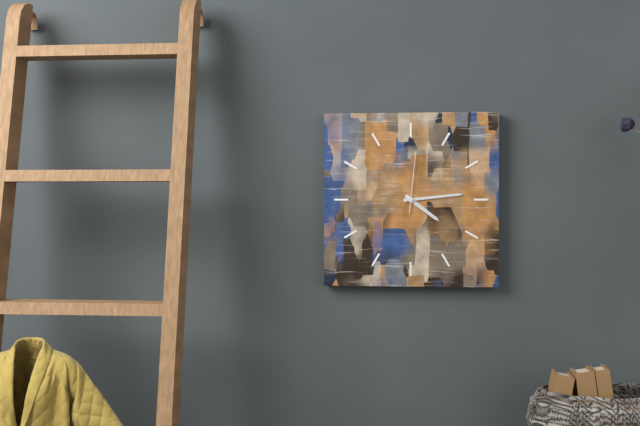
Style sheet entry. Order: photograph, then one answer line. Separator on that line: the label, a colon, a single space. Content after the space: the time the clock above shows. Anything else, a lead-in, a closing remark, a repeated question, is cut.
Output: 4:14:01
